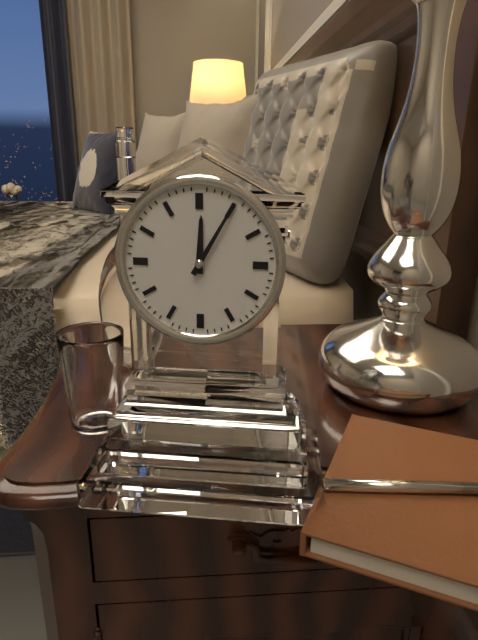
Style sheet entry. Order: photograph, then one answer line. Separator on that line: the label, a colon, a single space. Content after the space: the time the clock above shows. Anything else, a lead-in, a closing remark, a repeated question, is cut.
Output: 12:05
